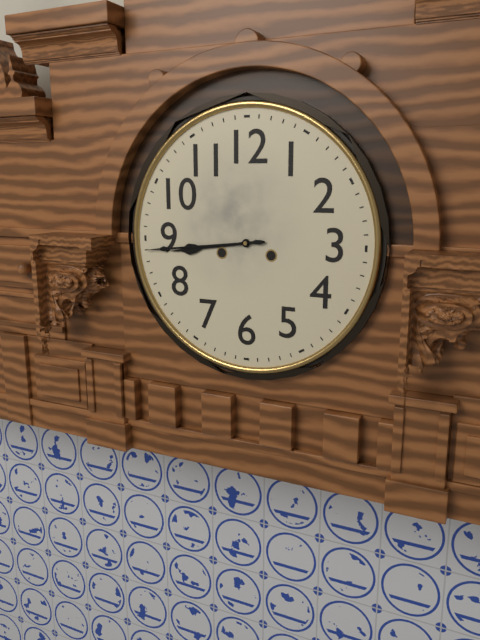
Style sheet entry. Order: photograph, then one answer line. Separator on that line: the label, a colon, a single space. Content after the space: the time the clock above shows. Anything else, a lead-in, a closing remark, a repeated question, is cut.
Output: 8:44
